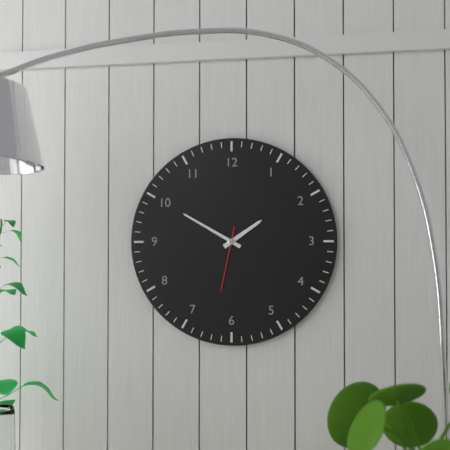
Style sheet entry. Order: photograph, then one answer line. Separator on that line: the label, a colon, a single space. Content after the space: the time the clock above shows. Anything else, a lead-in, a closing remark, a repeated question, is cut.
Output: 1:50:32
